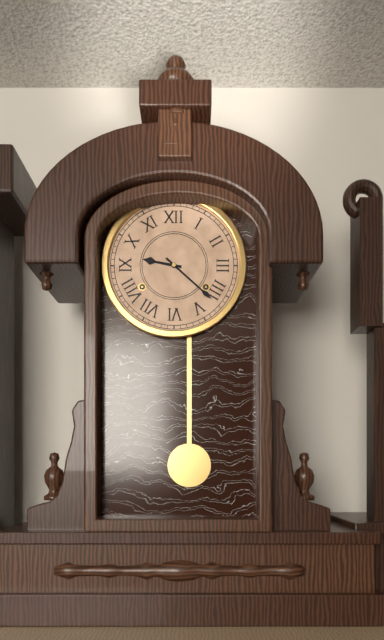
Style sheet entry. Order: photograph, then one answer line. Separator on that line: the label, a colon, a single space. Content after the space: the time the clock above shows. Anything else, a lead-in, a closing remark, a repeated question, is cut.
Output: 9:22
